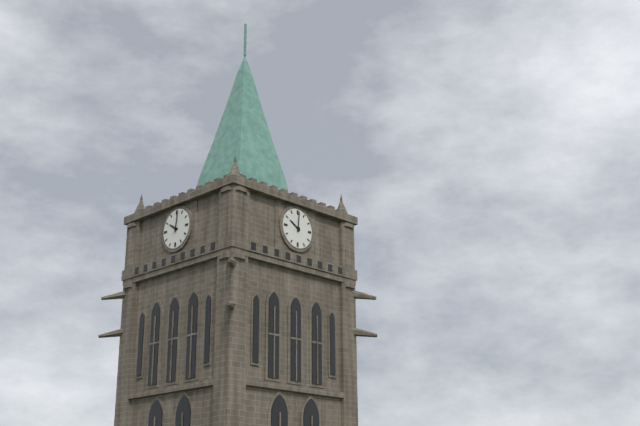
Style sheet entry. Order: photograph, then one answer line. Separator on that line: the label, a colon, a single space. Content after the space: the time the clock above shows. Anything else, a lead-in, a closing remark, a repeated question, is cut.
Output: 10:01
